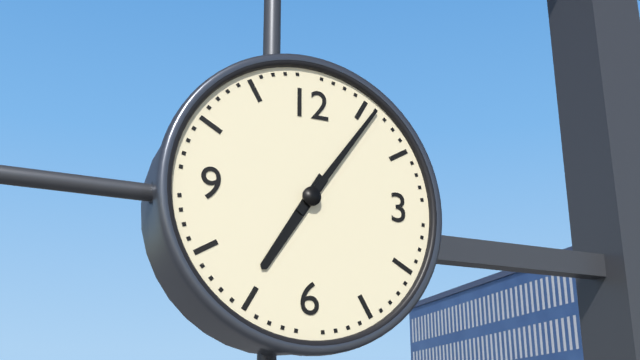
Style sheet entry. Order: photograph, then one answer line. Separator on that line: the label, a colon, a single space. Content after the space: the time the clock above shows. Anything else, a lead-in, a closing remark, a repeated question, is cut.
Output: 7:06
